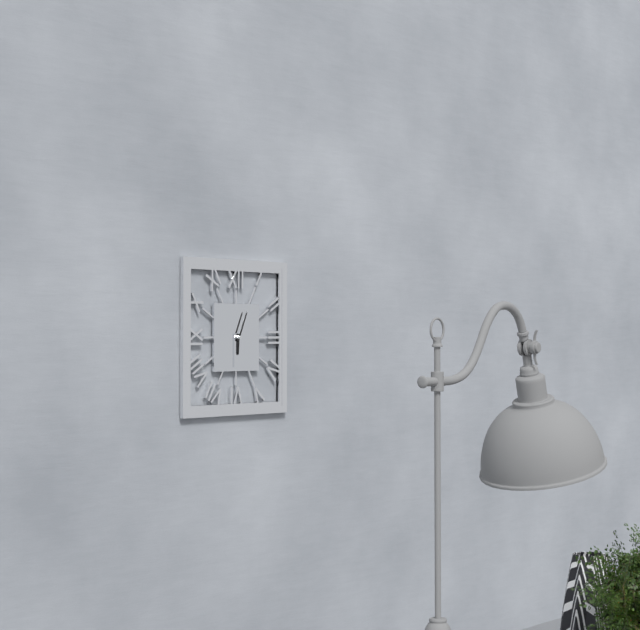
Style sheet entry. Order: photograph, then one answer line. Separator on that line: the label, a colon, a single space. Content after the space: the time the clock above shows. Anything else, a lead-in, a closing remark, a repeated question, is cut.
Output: 6:04
